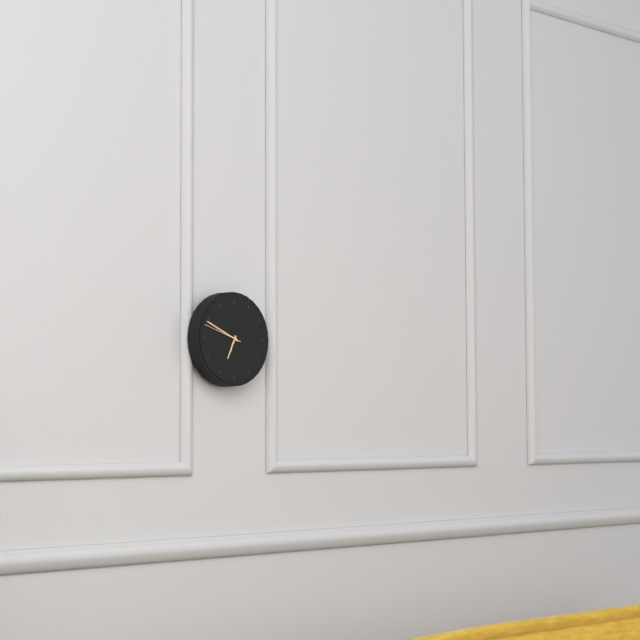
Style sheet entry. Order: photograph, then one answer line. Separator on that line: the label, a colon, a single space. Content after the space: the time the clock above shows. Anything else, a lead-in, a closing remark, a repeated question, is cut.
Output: 6:49
